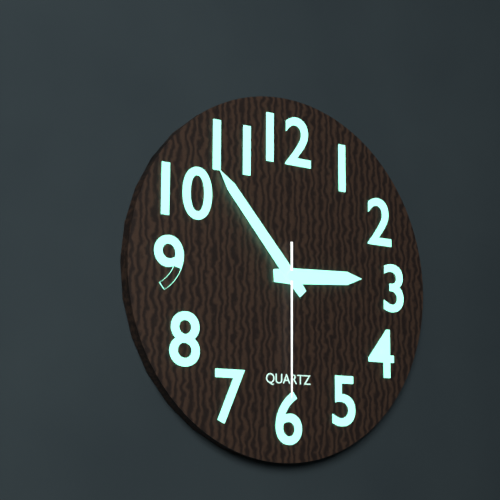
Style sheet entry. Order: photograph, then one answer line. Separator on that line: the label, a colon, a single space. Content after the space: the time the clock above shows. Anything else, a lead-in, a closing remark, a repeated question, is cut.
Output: 2:53:30
